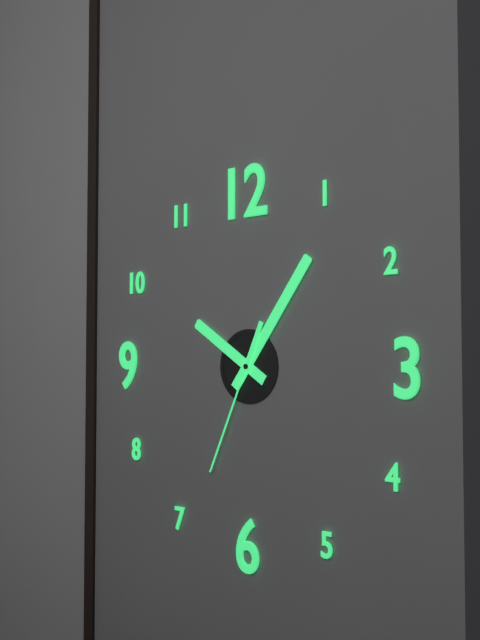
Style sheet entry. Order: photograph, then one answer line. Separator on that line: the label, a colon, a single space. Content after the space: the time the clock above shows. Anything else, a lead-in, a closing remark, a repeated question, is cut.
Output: 10:06:34
